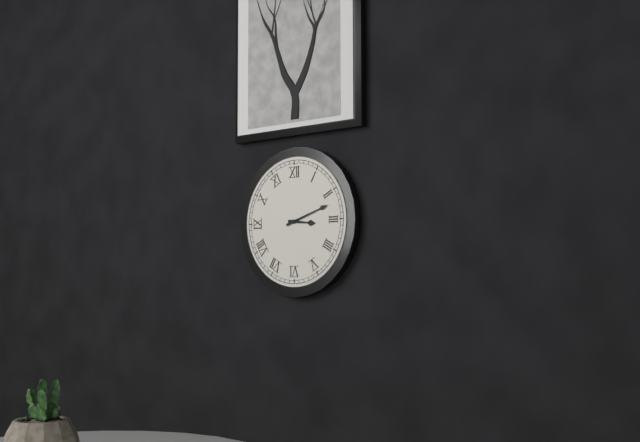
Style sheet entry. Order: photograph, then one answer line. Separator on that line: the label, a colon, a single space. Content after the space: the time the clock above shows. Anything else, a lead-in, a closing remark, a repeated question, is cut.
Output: 3:12
